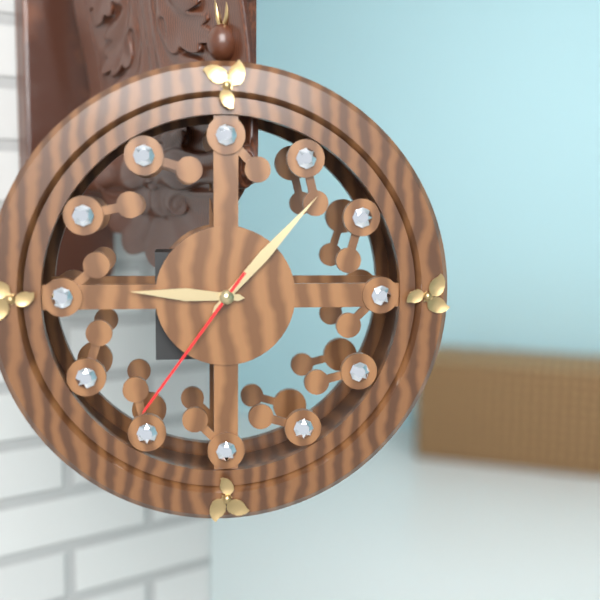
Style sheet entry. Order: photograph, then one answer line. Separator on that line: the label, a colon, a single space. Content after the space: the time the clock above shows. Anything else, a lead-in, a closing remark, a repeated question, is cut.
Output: 9:07:36
